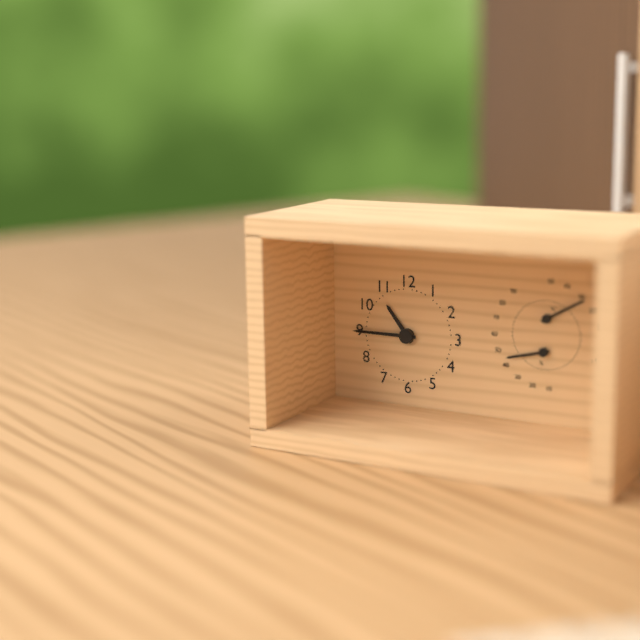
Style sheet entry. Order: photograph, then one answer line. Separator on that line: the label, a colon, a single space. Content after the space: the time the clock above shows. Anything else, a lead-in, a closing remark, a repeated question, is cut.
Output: 10:45
